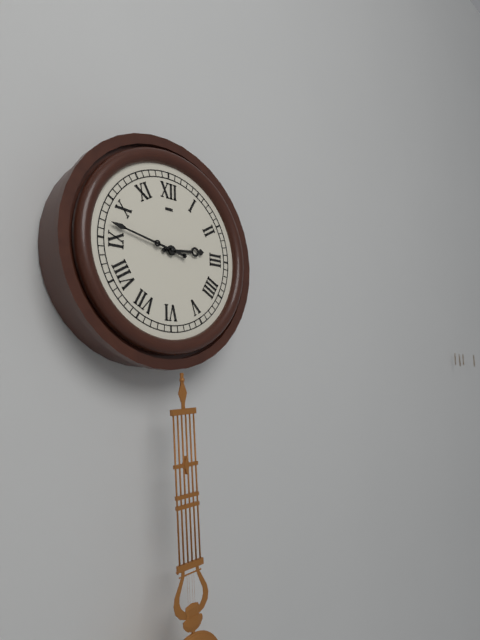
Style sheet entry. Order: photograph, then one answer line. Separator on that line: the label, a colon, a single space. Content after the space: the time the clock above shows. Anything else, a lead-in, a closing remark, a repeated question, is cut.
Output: 2:47
